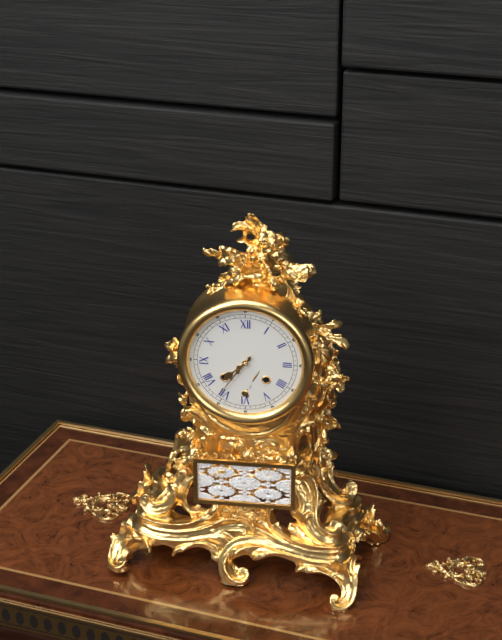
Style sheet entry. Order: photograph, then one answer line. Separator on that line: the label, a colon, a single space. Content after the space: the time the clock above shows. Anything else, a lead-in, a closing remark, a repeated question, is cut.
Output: 7:36
